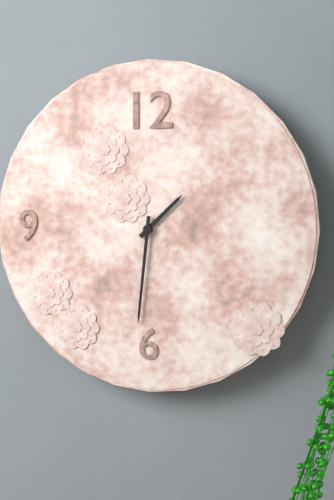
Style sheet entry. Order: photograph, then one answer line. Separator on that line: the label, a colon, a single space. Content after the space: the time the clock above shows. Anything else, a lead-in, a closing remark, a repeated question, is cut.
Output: 1:31
